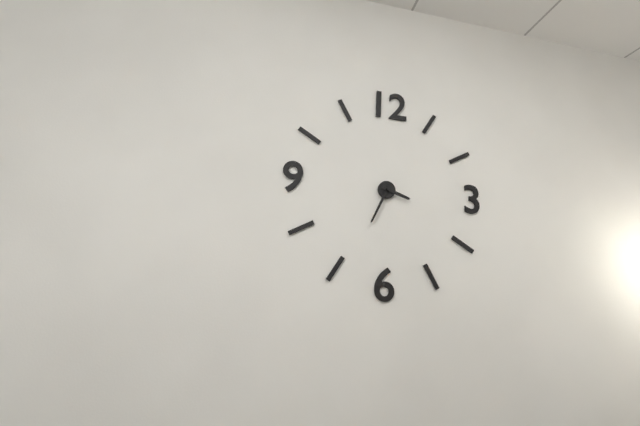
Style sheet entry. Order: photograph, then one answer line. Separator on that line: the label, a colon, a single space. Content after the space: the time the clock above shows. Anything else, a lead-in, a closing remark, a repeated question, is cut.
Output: 3:34
